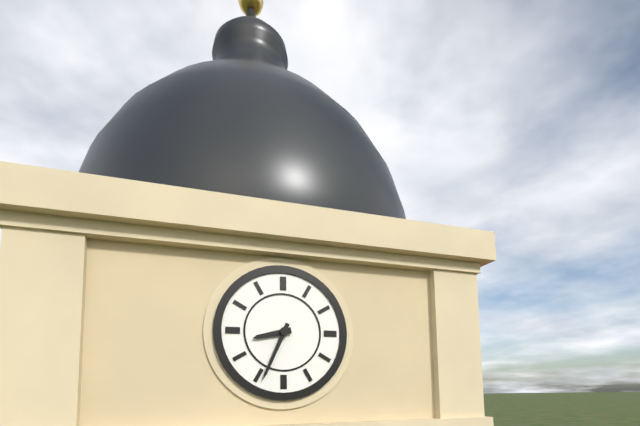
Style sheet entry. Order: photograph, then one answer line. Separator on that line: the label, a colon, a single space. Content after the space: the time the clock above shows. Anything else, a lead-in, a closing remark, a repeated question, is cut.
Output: 8:34
